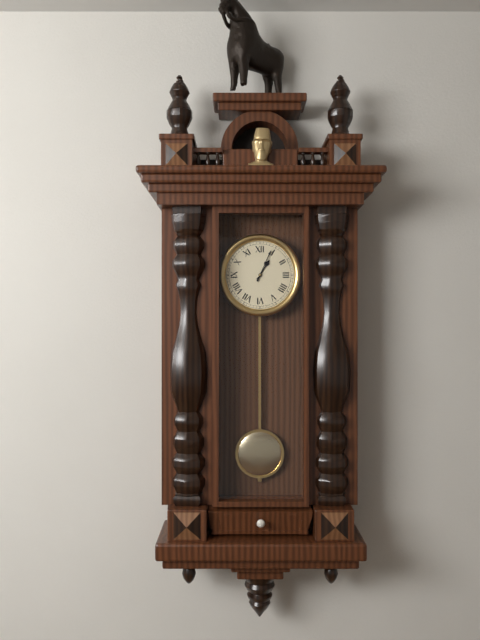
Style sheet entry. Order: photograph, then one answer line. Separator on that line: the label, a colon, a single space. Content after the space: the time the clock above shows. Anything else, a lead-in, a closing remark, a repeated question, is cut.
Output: 1:04
